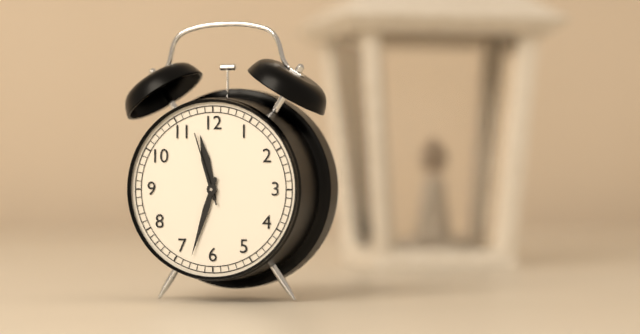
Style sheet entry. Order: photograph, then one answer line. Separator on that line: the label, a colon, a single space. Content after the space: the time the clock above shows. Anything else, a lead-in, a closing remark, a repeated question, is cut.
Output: 11:33:57
